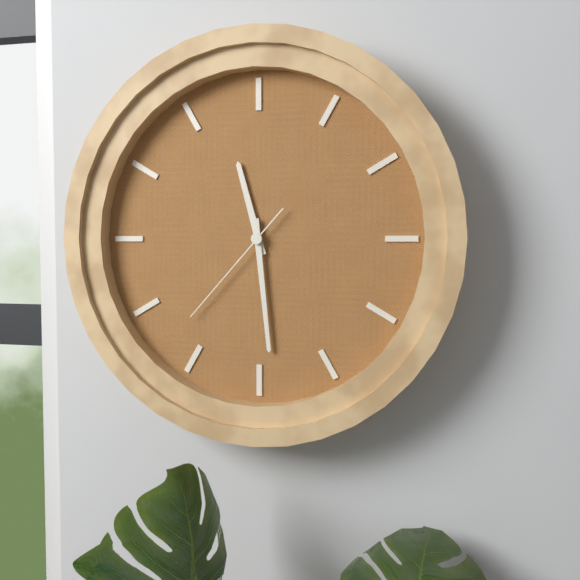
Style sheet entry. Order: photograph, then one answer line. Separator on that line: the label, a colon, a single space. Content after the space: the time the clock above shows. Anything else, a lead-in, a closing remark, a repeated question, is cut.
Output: 11:29:37
